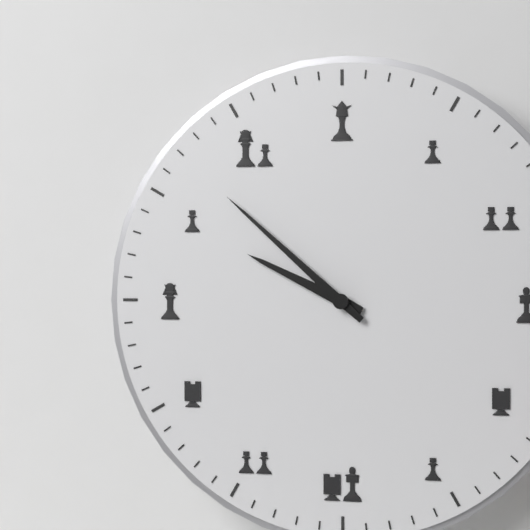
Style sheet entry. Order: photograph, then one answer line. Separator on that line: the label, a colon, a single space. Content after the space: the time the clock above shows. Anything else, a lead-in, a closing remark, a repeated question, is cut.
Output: 9:52
